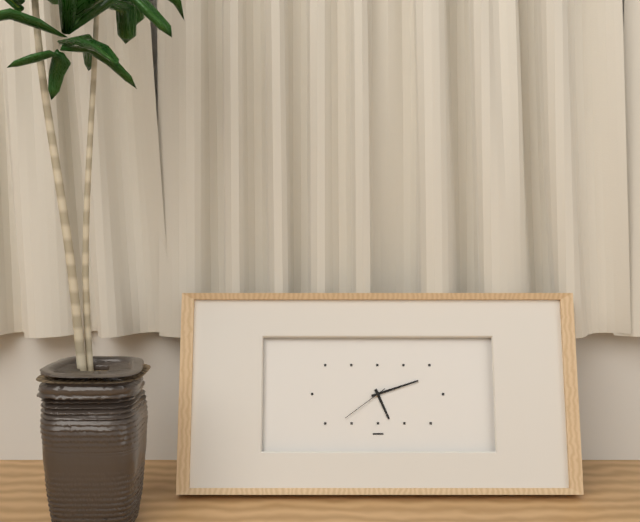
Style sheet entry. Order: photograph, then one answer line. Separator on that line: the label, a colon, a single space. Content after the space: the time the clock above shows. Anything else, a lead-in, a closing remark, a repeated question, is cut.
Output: 5:12:39
